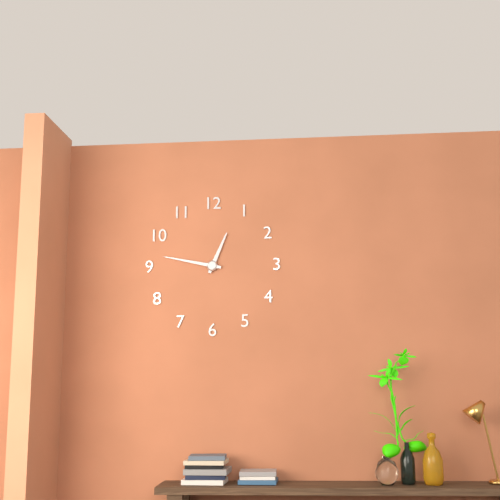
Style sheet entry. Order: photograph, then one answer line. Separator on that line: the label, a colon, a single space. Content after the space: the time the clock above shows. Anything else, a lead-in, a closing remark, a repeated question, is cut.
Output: 12:47
